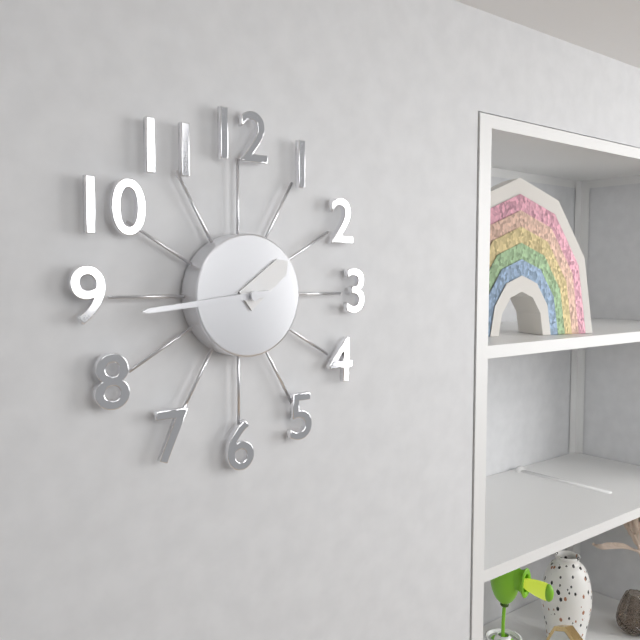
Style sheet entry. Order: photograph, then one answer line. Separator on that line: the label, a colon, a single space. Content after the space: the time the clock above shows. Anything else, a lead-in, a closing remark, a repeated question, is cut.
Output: 1:44
